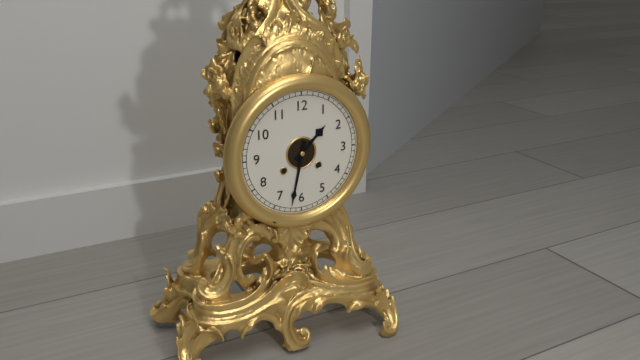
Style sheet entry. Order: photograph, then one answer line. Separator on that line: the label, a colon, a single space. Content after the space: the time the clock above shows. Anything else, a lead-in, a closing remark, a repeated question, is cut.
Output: 1:32
